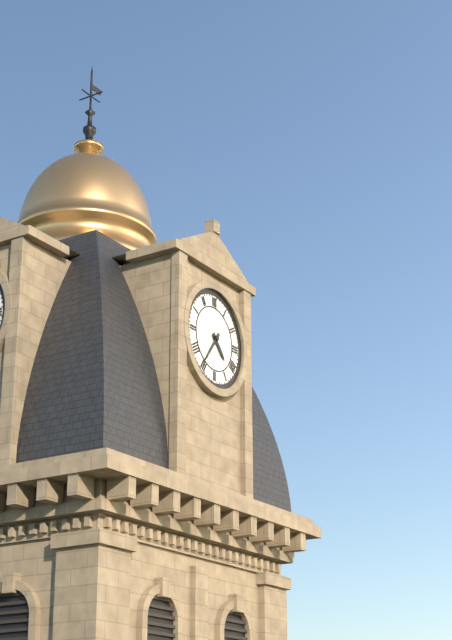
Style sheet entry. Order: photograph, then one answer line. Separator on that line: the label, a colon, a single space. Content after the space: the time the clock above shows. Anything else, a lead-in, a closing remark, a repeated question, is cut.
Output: 4:36
